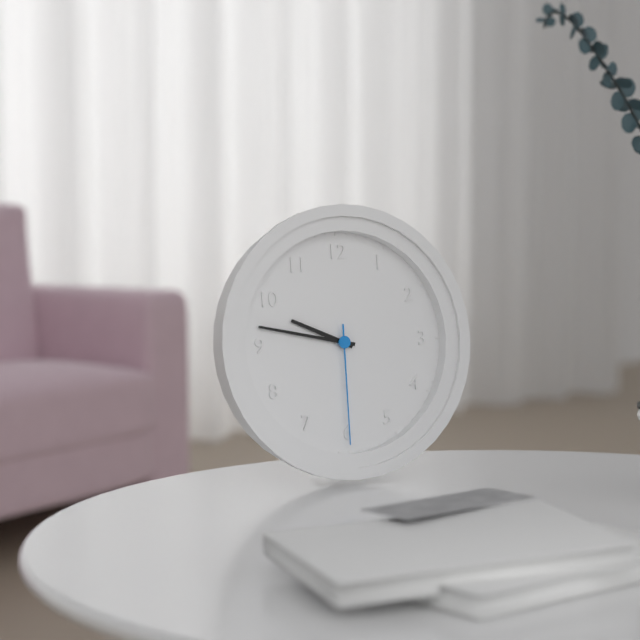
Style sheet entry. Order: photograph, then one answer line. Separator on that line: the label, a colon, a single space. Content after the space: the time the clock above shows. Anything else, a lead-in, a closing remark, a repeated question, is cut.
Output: 9:47:30
